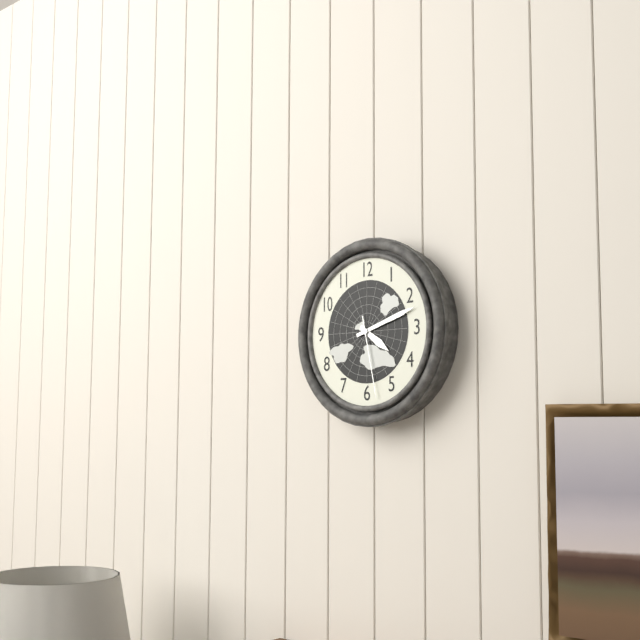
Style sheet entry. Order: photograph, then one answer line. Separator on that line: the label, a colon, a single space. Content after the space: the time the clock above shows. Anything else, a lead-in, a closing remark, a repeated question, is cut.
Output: 4:12:28
